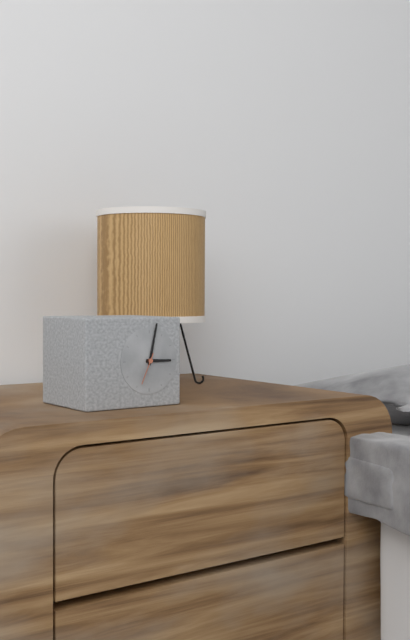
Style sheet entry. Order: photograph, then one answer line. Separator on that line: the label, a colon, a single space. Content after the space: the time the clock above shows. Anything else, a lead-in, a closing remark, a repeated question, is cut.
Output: 3:02
